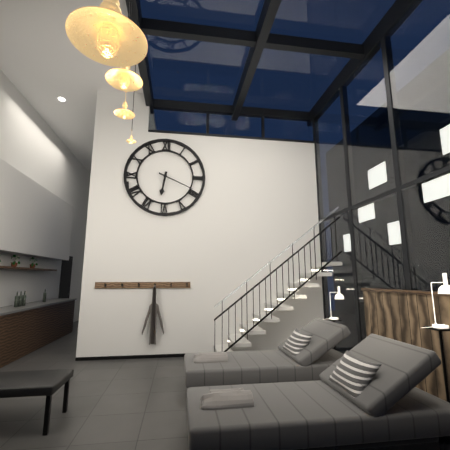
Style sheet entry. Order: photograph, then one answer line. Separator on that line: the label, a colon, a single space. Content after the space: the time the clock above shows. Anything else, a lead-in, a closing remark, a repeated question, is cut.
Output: 6:19
